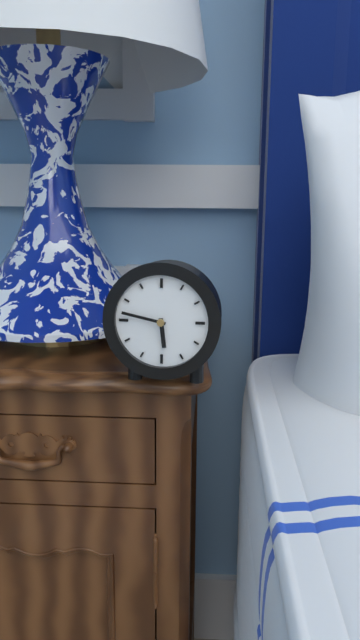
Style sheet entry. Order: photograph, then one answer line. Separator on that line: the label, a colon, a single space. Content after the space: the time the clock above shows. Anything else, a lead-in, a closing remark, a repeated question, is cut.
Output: 5:47
